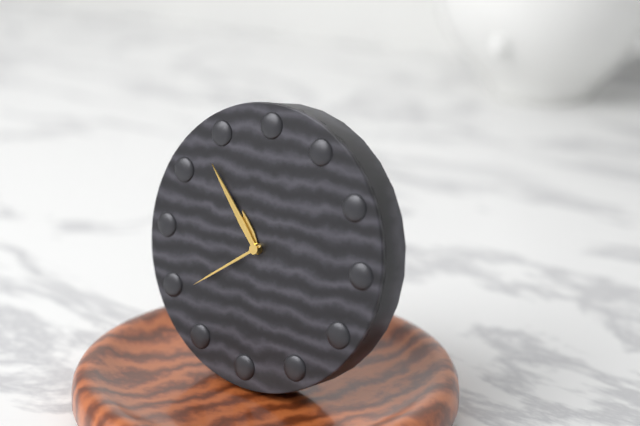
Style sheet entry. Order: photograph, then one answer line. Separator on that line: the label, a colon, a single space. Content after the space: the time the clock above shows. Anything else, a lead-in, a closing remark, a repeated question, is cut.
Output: 10:53:39
